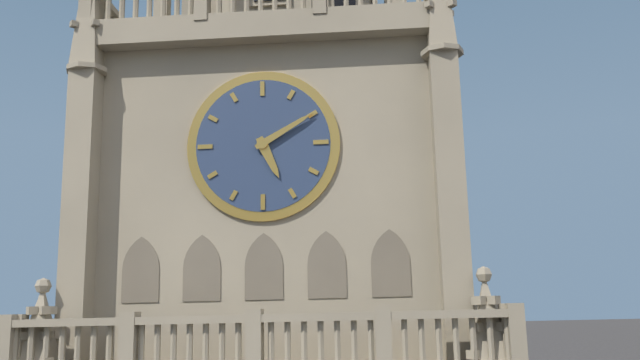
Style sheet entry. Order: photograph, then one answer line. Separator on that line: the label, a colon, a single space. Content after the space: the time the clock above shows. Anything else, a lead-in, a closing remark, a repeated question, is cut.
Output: 5:10
